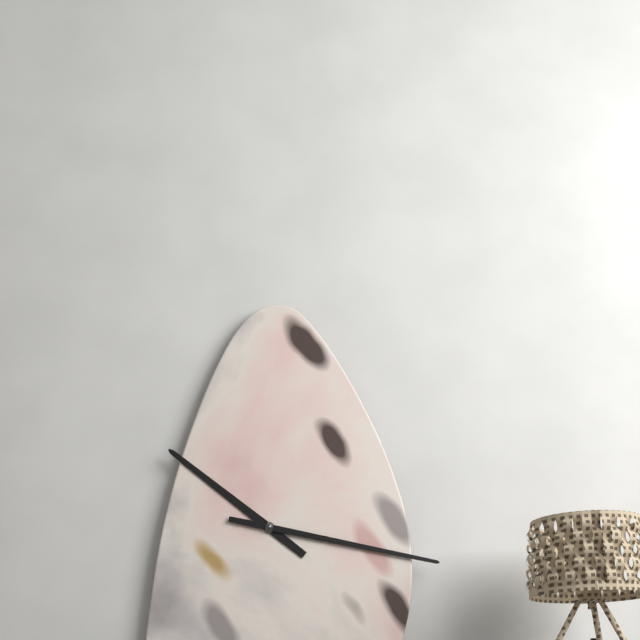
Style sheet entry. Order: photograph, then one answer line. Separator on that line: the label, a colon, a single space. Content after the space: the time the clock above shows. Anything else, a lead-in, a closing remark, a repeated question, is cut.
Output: 10:17
